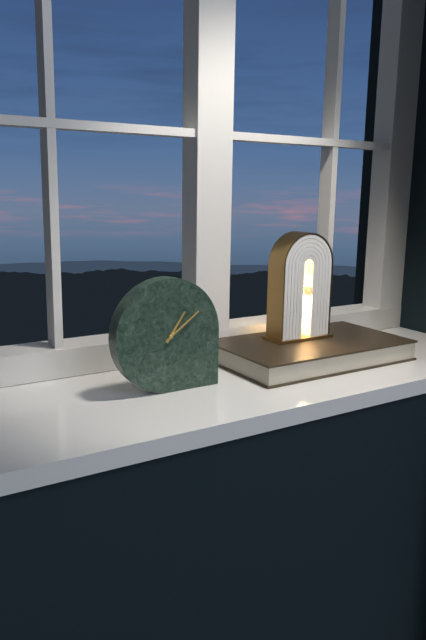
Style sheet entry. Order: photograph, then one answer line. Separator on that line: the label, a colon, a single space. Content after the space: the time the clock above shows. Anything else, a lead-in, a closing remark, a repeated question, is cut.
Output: 1:09
